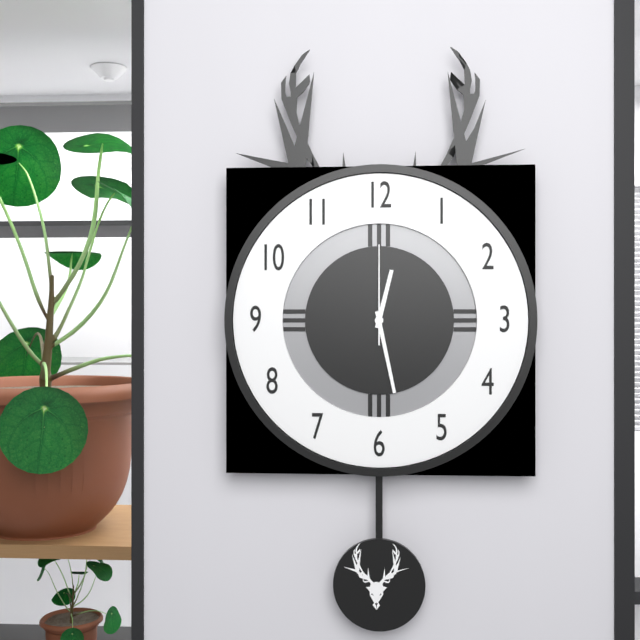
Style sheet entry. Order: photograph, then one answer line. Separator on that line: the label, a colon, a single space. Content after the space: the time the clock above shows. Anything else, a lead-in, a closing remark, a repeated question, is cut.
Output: 12:28:00
